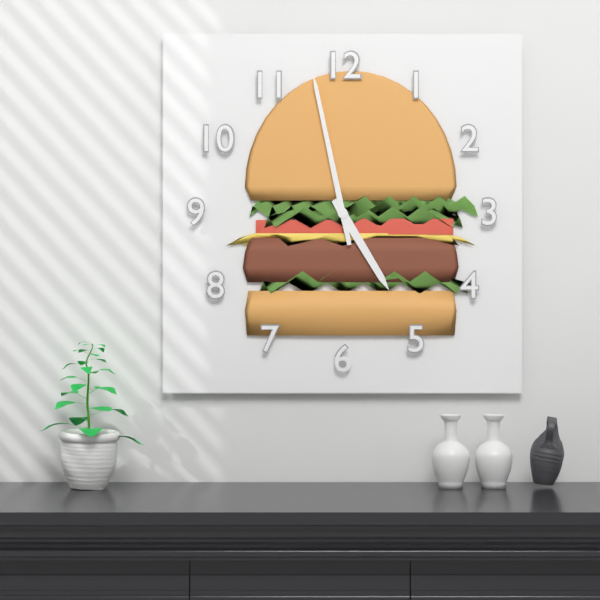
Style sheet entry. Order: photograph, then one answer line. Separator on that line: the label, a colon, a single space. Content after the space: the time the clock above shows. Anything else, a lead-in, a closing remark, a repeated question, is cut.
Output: 4:58
